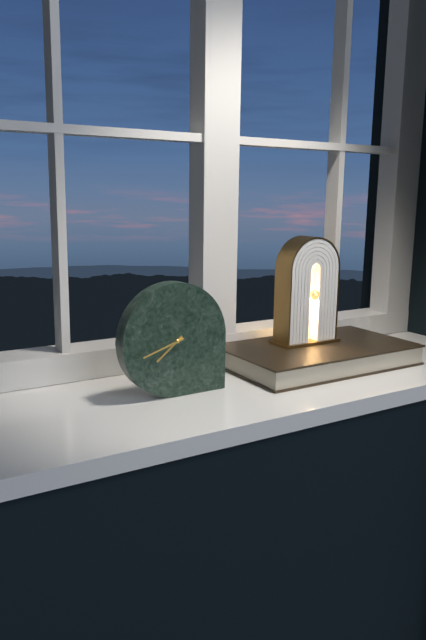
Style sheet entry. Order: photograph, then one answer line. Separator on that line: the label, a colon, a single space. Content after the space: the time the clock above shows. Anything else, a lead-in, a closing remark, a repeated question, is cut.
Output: 7:42
